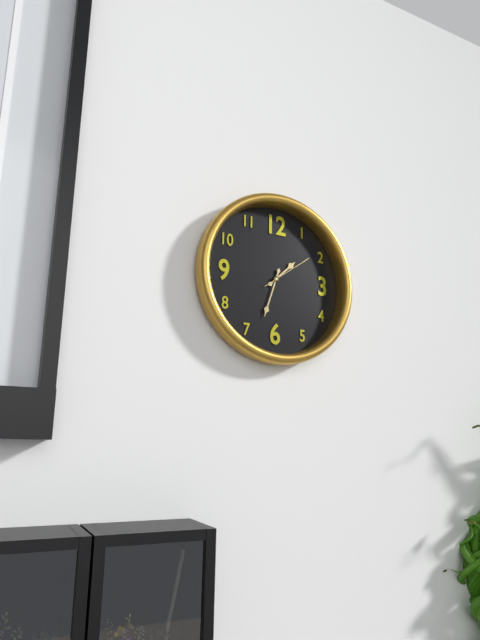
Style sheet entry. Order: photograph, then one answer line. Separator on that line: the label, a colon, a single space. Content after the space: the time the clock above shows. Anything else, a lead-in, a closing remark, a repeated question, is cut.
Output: 1:33
